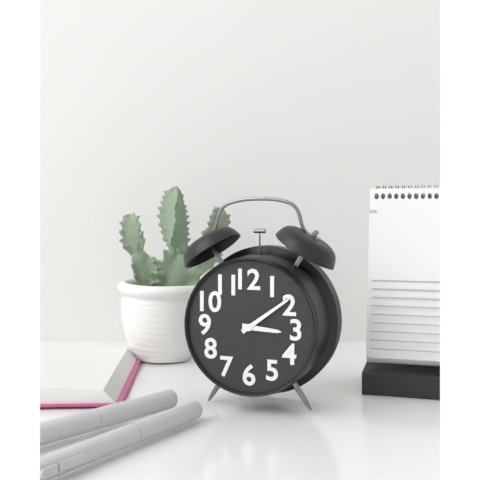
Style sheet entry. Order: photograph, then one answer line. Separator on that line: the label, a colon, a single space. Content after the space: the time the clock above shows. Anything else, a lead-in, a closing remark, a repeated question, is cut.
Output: 3:09
